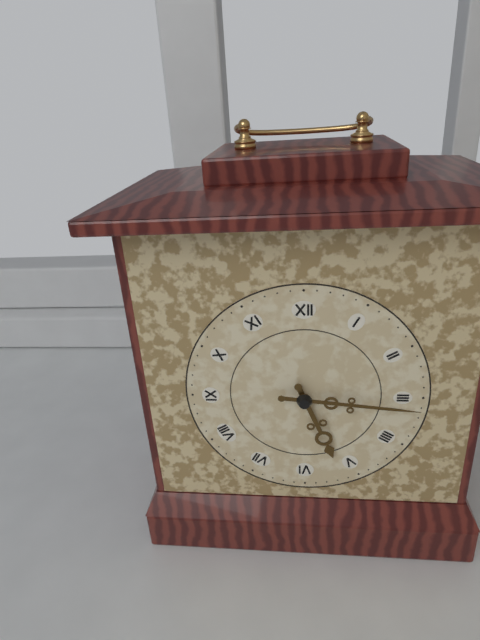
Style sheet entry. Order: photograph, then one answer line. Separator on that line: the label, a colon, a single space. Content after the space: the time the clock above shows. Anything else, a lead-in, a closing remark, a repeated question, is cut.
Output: 5:16
